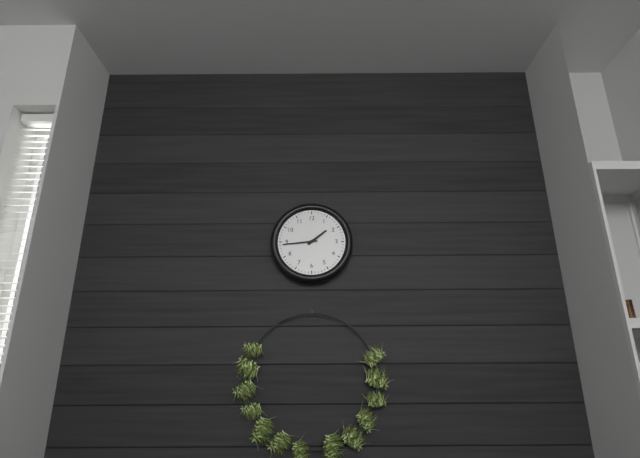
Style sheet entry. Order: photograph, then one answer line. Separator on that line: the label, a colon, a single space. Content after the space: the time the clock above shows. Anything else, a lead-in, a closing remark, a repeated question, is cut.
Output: 1:44
